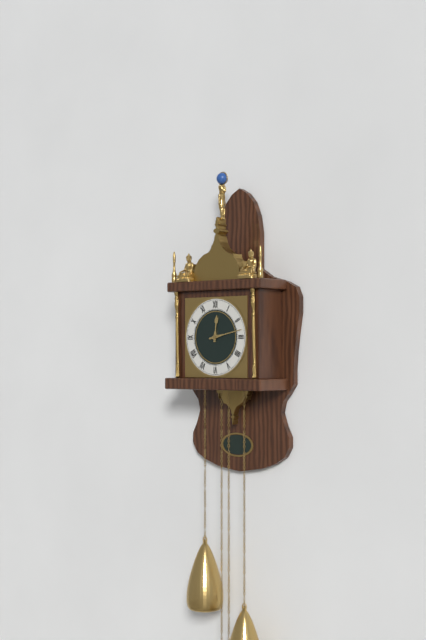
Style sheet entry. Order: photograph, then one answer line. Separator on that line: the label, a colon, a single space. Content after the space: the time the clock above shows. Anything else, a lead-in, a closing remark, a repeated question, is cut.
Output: 12:13
